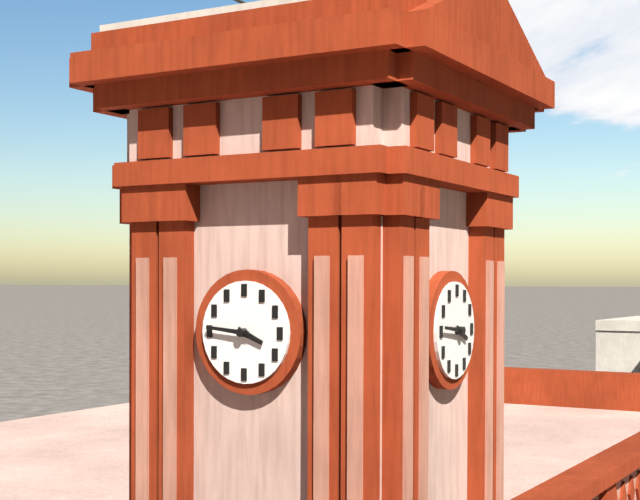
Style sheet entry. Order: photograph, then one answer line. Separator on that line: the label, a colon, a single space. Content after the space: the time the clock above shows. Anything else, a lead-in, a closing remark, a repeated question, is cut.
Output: 3:46
